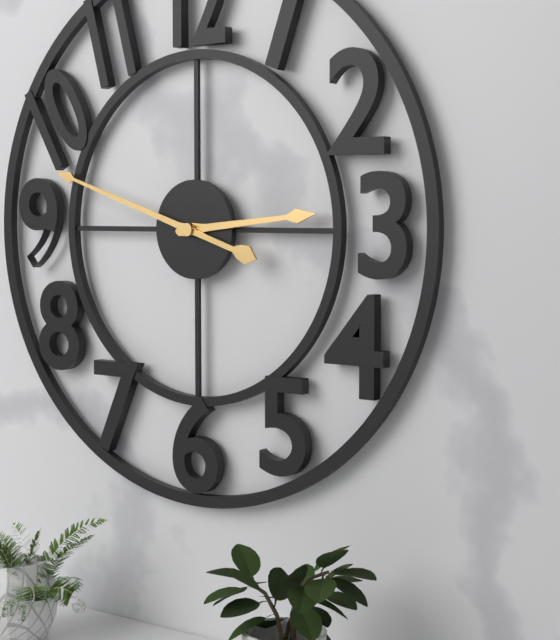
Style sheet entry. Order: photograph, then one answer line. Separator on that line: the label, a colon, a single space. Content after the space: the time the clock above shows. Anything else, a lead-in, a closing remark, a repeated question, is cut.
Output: 2:48
